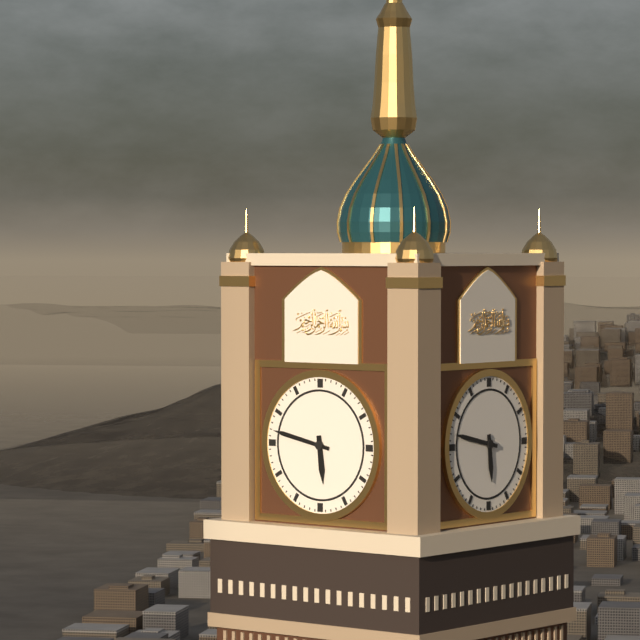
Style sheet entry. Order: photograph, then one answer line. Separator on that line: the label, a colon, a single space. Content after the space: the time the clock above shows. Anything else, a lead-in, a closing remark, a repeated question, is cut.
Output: 5:47
